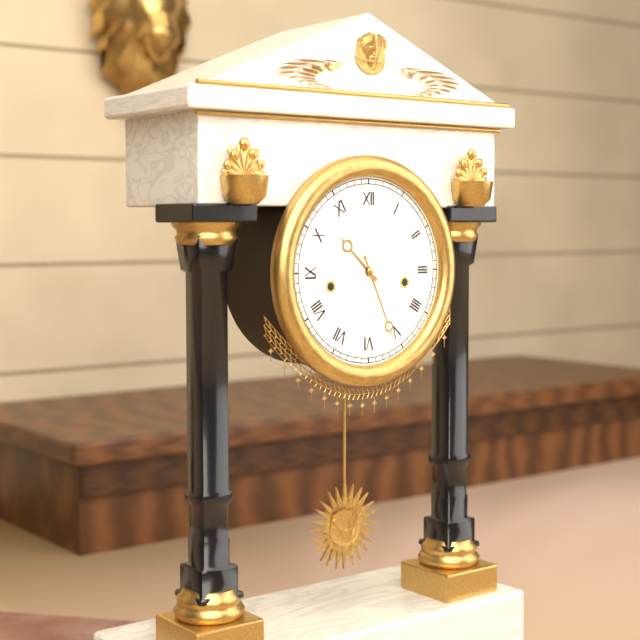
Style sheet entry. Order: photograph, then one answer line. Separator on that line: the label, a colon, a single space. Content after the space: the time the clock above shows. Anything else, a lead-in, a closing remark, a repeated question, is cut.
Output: 10:26
